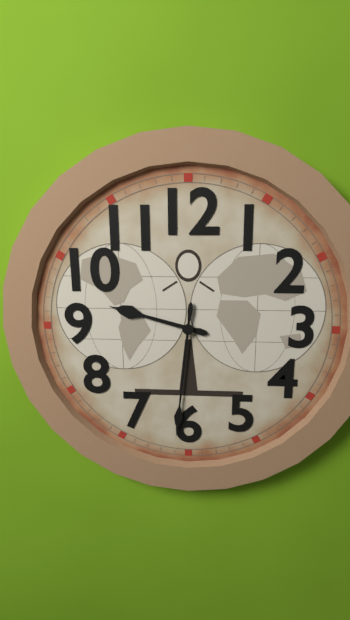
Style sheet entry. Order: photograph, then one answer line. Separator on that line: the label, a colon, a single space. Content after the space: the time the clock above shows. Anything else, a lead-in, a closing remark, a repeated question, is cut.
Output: 9:31
